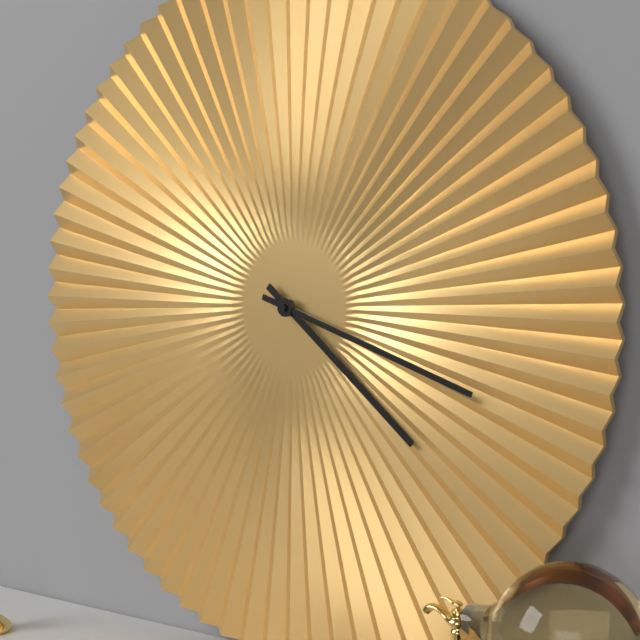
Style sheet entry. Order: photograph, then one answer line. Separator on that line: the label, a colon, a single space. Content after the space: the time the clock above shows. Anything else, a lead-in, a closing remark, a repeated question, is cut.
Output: 4:18
